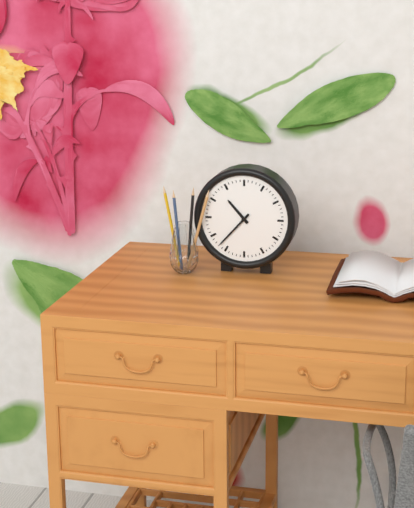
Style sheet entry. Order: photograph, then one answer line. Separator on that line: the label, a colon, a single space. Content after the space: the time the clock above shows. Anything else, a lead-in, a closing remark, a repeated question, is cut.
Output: 10:37
